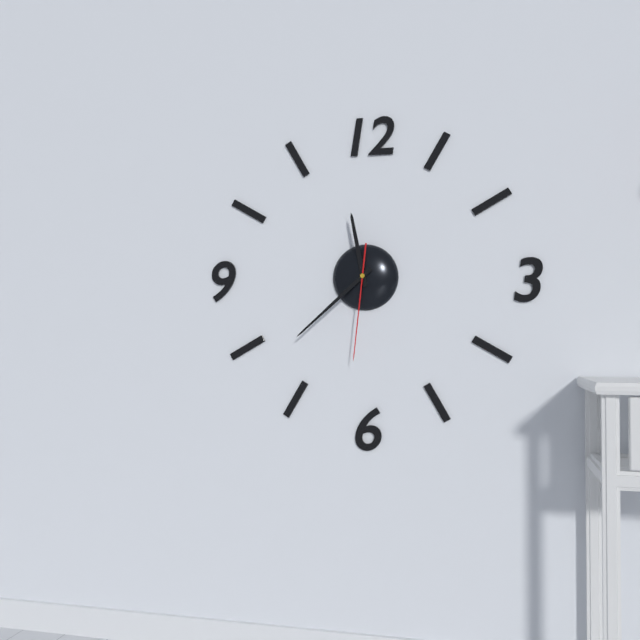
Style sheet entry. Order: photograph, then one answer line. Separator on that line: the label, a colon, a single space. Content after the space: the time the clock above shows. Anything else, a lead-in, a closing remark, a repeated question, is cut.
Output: 11:38:31
